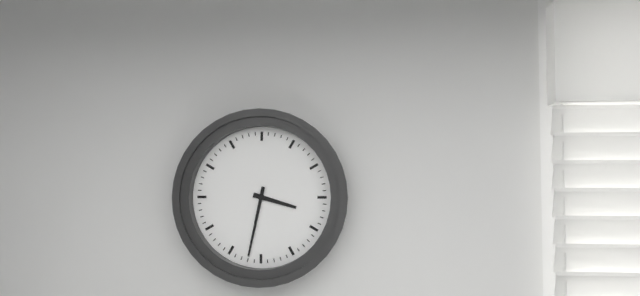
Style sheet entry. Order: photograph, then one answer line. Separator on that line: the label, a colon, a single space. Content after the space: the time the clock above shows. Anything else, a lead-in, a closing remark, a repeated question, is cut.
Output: 3:32
